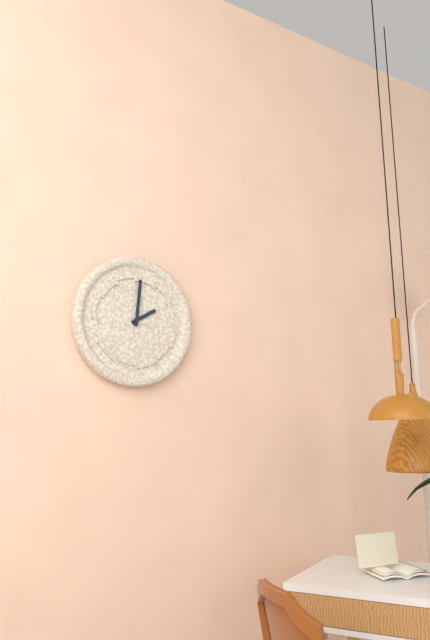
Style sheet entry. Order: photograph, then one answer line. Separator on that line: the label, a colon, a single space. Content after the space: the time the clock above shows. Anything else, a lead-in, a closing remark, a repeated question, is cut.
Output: 2:01
